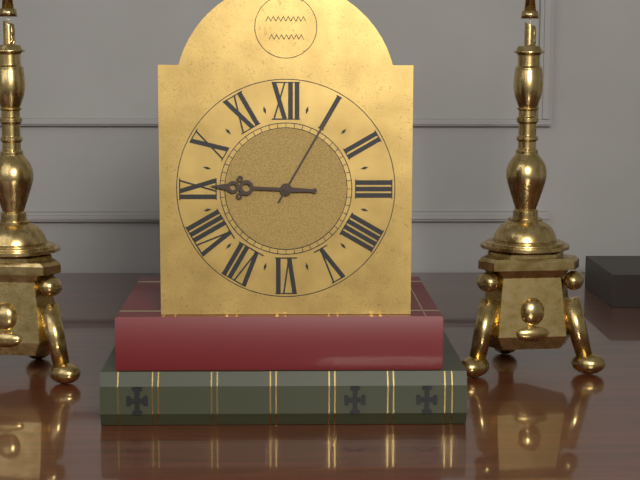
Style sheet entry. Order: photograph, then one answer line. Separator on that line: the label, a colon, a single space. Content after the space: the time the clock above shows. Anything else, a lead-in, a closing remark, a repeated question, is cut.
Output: 9:05
